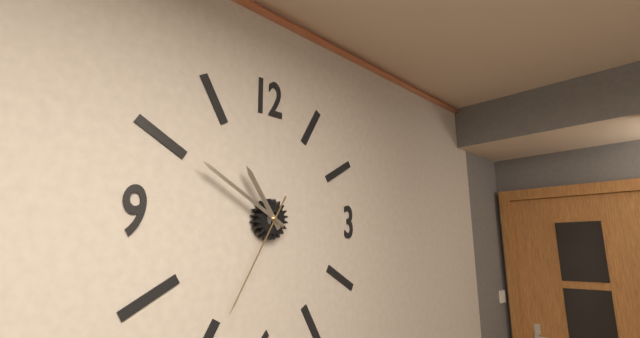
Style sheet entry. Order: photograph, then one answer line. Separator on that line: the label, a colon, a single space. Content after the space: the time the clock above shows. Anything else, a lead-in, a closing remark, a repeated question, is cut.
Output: 10:50:35
